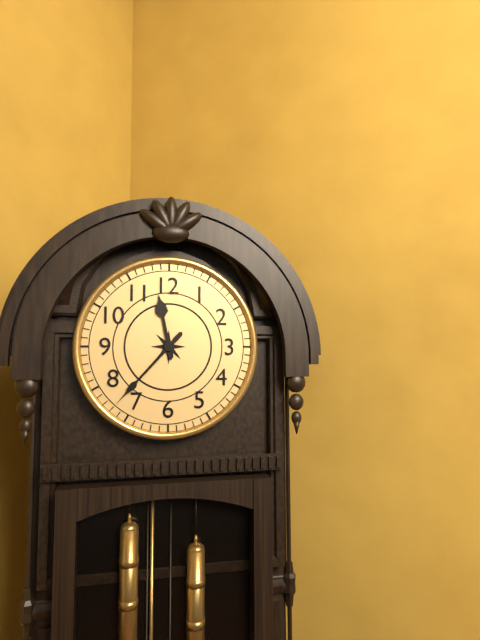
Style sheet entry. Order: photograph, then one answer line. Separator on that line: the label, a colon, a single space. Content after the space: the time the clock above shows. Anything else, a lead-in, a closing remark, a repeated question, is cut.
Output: 11:37
